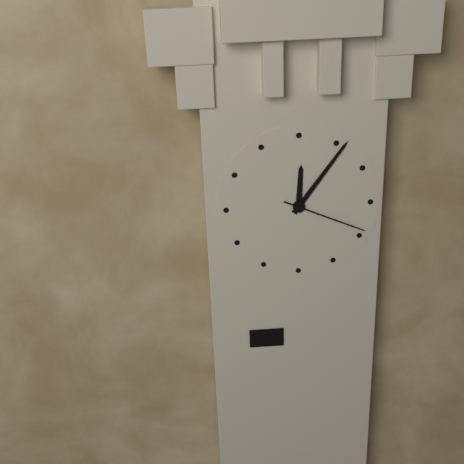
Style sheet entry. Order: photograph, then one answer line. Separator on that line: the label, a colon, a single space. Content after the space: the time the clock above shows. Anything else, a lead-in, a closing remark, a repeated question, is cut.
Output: 12:06:19
